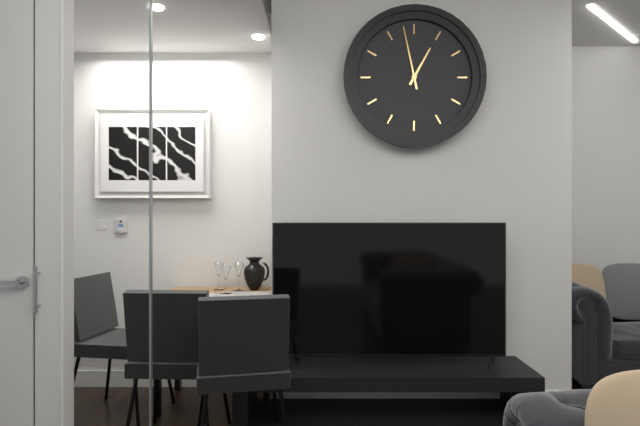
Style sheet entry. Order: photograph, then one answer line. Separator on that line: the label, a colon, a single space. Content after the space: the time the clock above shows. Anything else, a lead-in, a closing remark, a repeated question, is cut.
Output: 12:58
